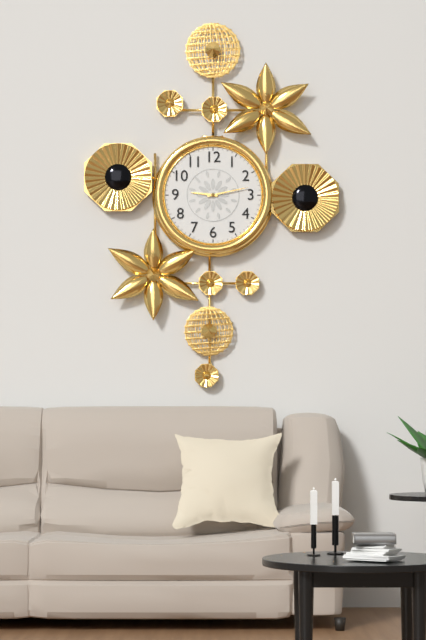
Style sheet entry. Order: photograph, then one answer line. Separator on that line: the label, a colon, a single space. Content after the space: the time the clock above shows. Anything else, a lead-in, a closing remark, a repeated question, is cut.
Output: 9:13
